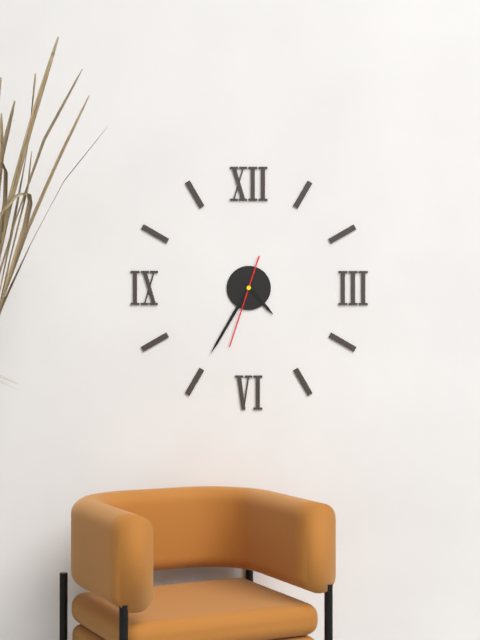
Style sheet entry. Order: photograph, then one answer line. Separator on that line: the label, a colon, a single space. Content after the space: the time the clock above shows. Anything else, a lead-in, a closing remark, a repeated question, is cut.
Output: 4:35:33
